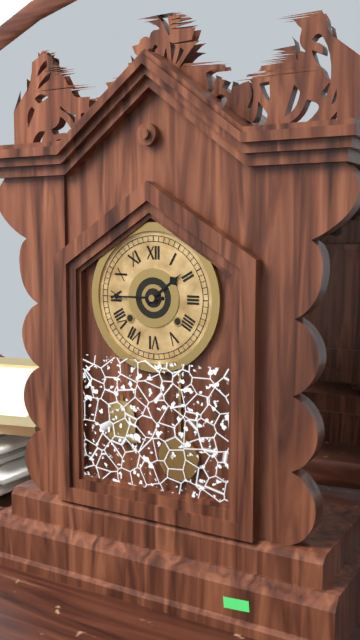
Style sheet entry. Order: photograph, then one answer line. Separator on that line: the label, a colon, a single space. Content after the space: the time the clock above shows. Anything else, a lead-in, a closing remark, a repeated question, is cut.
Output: 1:45
